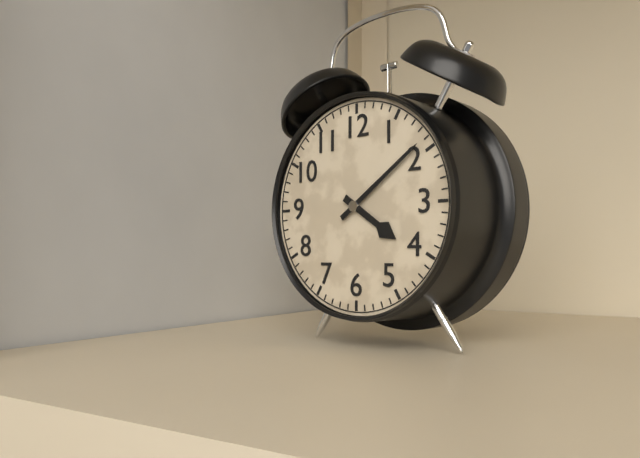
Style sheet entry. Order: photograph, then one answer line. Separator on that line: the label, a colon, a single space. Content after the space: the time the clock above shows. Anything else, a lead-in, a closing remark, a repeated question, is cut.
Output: 4:09
